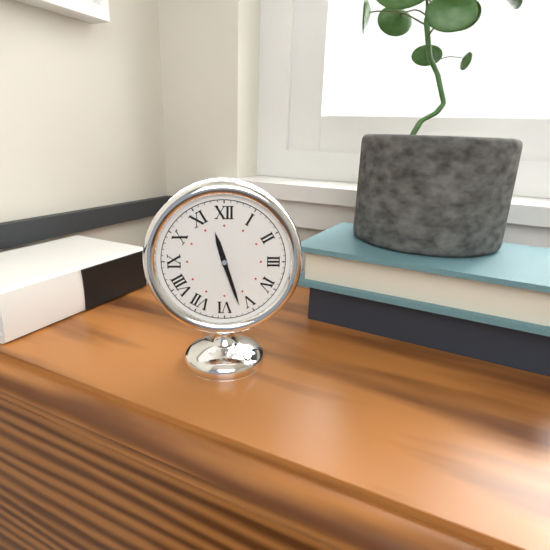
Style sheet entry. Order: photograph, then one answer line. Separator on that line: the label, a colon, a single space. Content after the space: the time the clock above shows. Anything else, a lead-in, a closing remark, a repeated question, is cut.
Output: 11:27
